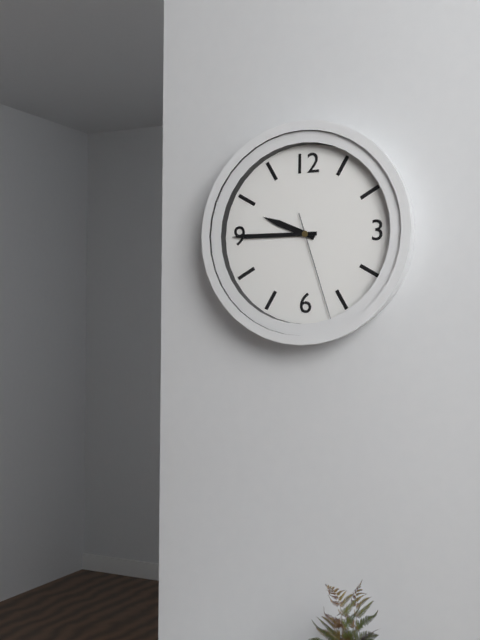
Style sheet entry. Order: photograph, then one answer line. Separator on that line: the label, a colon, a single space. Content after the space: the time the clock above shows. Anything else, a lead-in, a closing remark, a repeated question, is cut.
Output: 9:45:27
